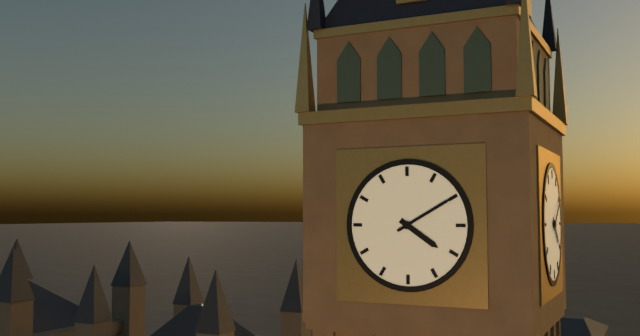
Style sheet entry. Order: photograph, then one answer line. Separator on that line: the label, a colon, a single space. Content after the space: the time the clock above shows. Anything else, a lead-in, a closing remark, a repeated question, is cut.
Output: 4:10
